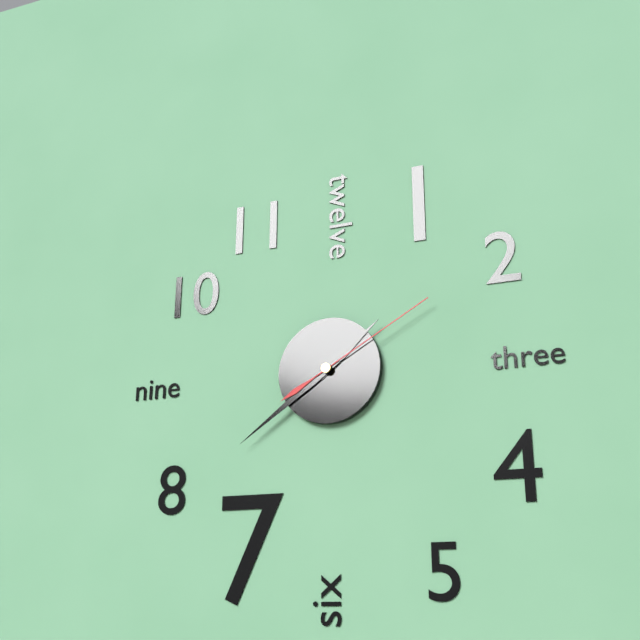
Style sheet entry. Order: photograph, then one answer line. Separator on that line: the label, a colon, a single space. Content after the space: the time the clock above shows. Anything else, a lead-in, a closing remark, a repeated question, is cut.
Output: 1:39:10
